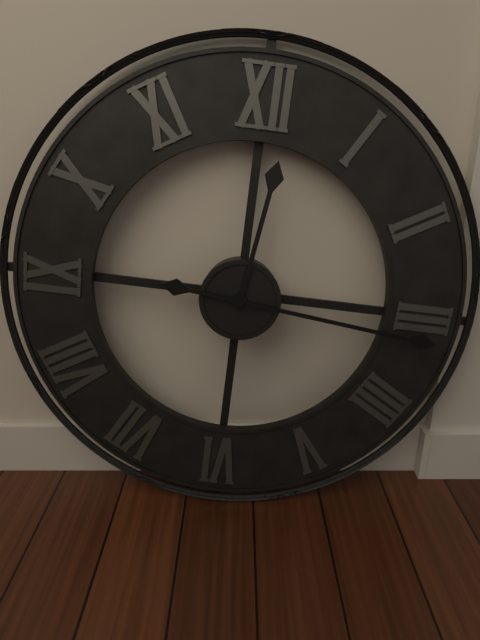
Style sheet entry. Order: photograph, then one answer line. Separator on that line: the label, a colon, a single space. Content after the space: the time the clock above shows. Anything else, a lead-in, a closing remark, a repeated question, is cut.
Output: 12:16
